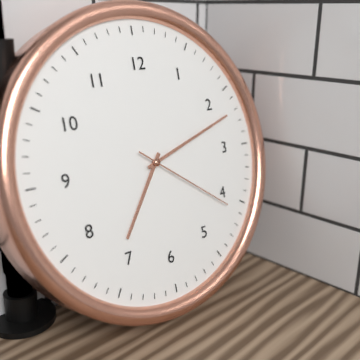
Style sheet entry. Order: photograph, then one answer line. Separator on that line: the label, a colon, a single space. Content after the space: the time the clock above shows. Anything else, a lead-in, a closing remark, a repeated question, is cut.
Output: 7:12:21
